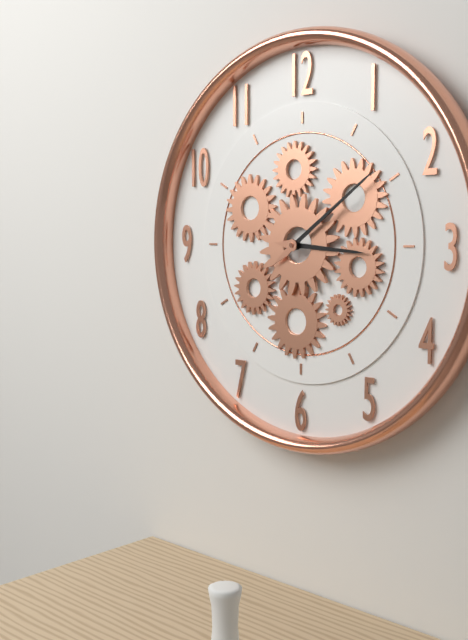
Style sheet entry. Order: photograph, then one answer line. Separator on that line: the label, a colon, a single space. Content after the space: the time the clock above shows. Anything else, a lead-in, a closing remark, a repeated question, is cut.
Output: 3:09
